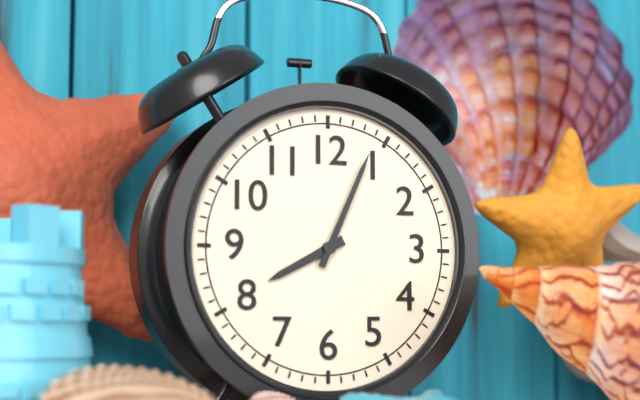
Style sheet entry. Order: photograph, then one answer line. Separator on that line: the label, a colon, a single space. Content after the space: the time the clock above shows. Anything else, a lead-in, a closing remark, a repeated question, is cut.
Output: 8:04
